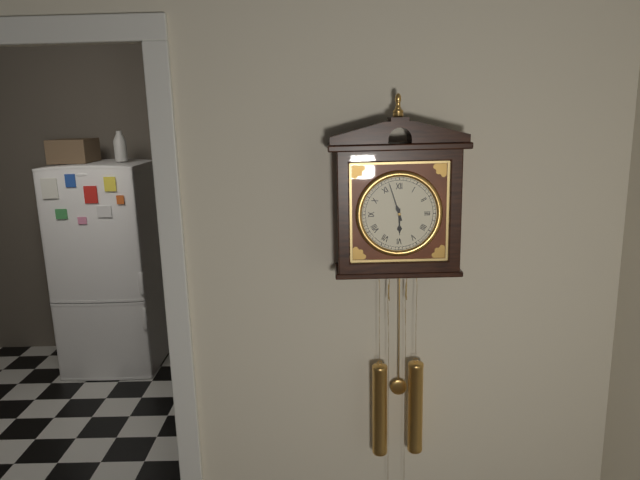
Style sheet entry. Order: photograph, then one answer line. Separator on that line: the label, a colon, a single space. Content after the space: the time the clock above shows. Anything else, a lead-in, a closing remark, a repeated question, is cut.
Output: 5:57
